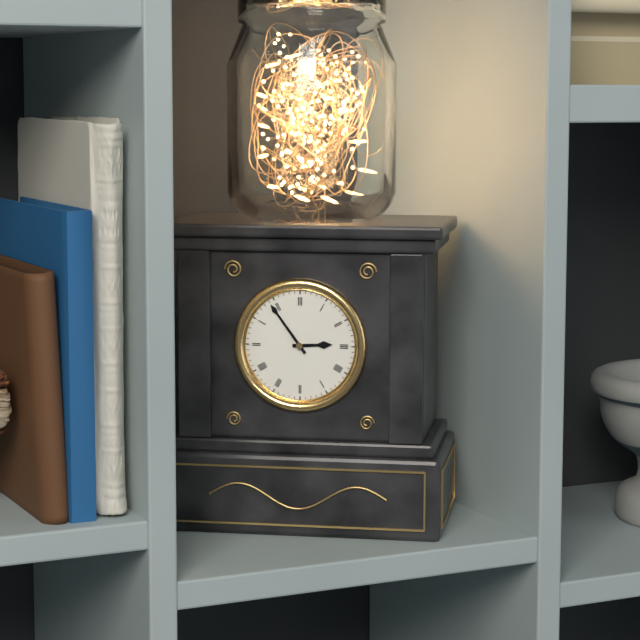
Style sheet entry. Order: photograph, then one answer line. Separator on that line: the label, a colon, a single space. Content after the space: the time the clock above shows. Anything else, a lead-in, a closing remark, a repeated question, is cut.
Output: 2:54
